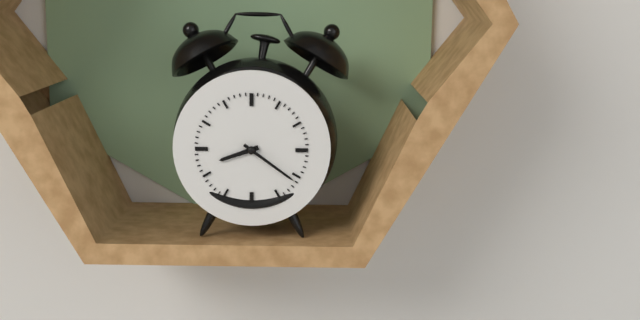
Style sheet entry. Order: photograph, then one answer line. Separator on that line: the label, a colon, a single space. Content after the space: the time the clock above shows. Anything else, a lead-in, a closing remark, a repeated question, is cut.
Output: 8:21
